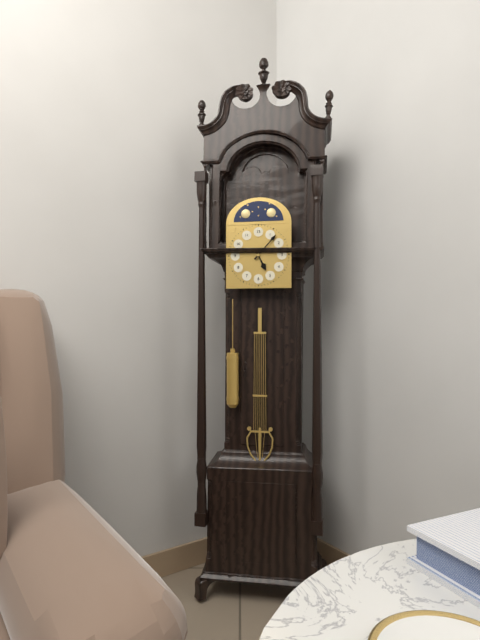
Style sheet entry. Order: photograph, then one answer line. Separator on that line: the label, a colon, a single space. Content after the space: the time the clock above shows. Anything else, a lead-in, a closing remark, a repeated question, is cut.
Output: 5:07
